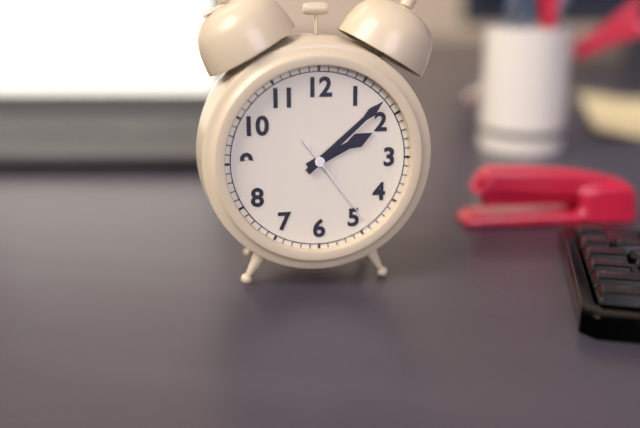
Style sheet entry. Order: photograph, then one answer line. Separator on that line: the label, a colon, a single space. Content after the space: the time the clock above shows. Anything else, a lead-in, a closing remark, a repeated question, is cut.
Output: 2:08:24
